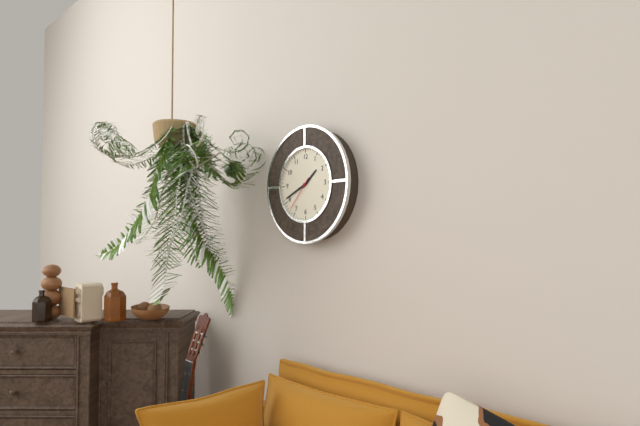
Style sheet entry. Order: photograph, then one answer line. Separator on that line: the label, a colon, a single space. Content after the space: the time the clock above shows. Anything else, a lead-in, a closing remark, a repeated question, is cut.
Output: 1:41
